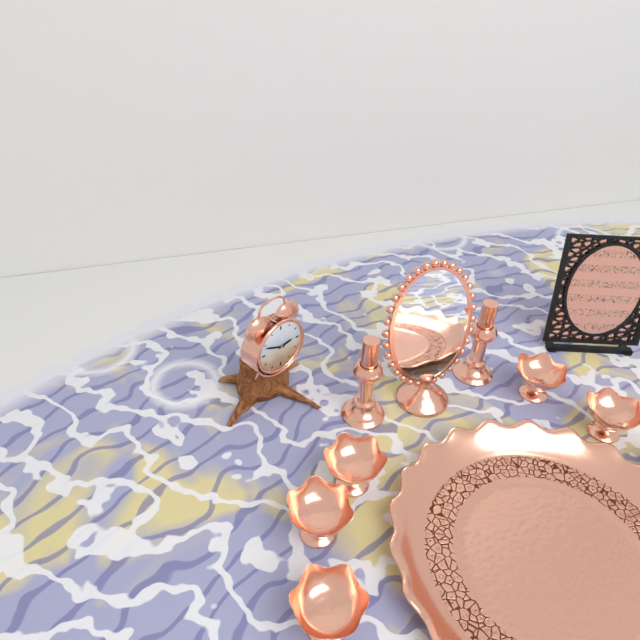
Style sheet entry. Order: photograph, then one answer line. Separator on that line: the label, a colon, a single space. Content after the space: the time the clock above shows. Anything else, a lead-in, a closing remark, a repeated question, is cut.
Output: 2:49
